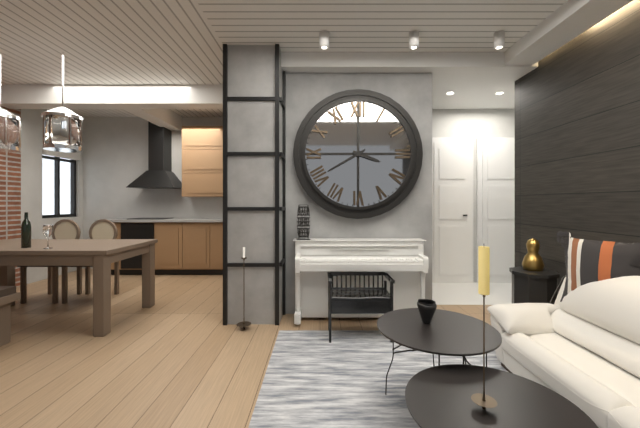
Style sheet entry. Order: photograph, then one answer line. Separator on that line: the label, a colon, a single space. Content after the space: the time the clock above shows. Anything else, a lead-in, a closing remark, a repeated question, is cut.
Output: 3:40
